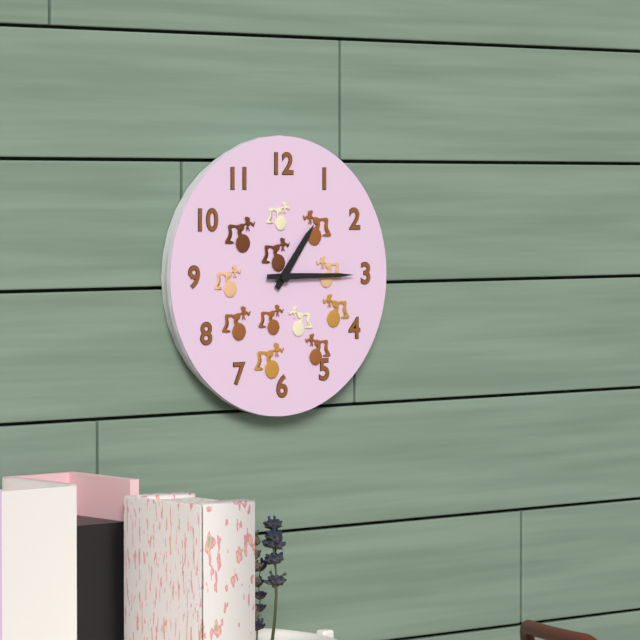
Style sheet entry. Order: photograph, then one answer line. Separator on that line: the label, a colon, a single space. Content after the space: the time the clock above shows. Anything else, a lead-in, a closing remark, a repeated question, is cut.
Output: 1:15
